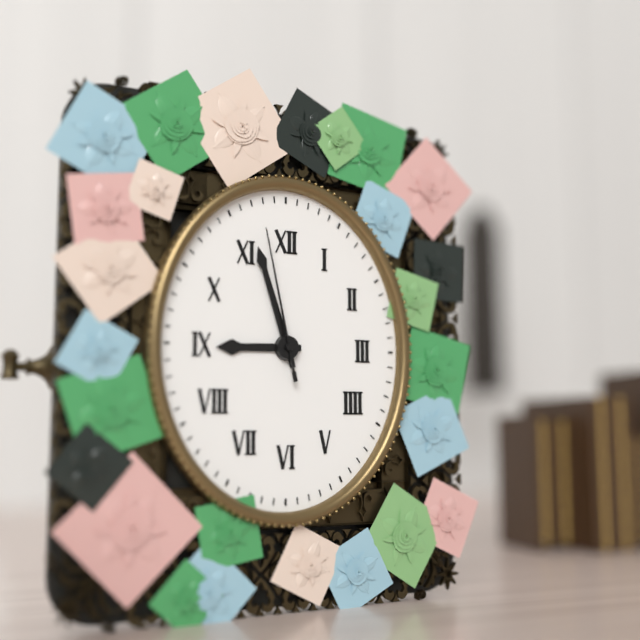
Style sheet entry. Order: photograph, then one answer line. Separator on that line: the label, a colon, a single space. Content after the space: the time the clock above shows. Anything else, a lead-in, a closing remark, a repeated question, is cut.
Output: 8:57:58
